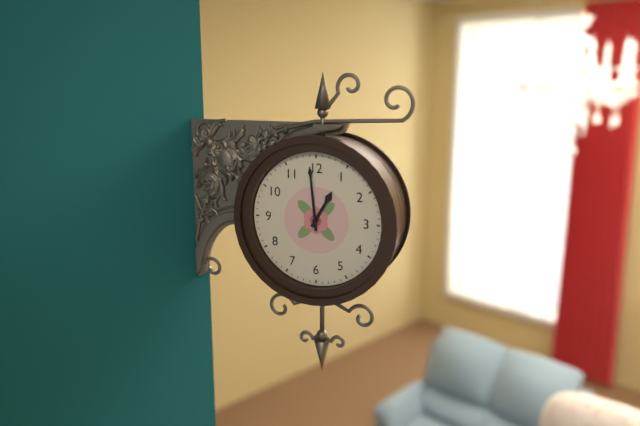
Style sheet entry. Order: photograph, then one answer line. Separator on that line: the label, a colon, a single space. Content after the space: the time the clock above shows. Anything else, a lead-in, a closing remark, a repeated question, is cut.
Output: 12:59
